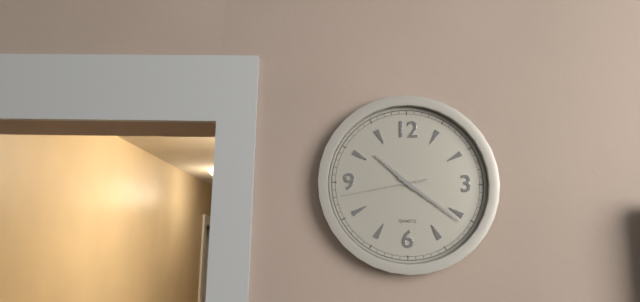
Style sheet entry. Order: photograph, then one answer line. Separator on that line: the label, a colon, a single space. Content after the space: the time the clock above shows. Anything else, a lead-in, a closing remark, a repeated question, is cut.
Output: 10:21:43
